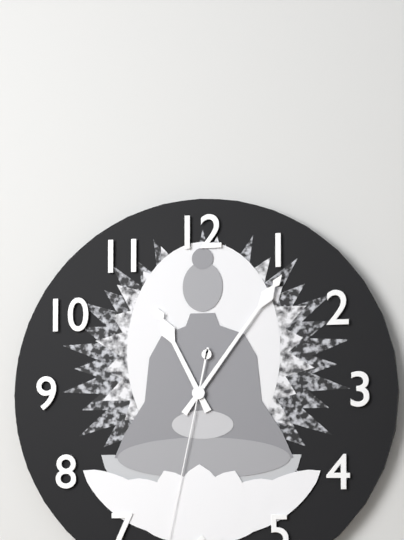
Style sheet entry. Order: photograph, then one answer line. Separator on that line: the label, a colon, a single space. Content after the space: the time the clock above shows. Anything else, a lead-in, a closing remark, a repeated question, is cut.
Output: 11:06
